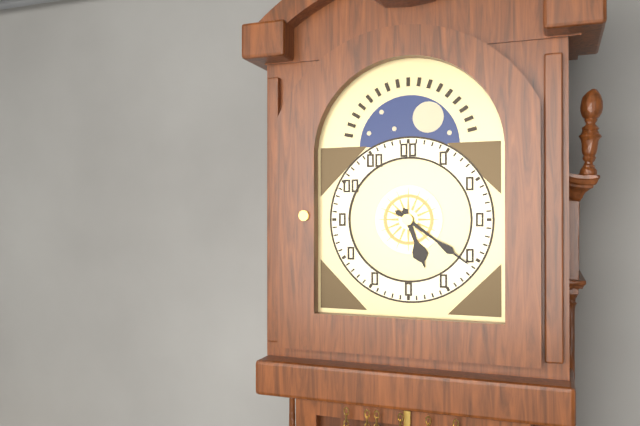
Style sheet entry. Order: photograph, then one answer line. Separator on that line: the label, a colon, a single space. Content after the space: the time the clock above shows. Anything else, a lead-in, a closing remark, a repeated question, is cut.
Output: 5:21
